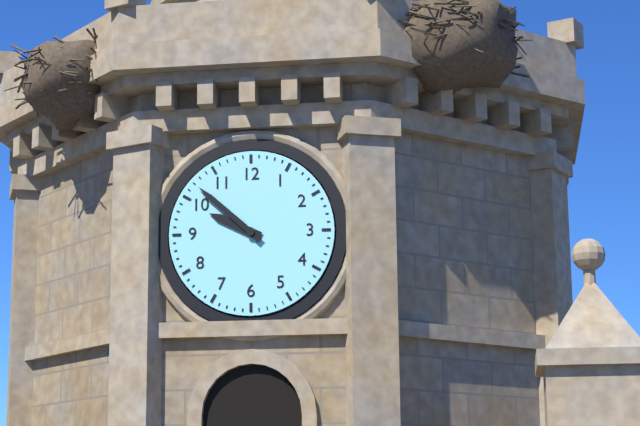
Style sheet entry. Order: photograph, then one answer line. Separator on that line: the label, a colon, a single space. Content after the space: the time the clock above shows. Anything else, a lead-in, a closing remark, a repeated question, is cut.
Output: 9:52
